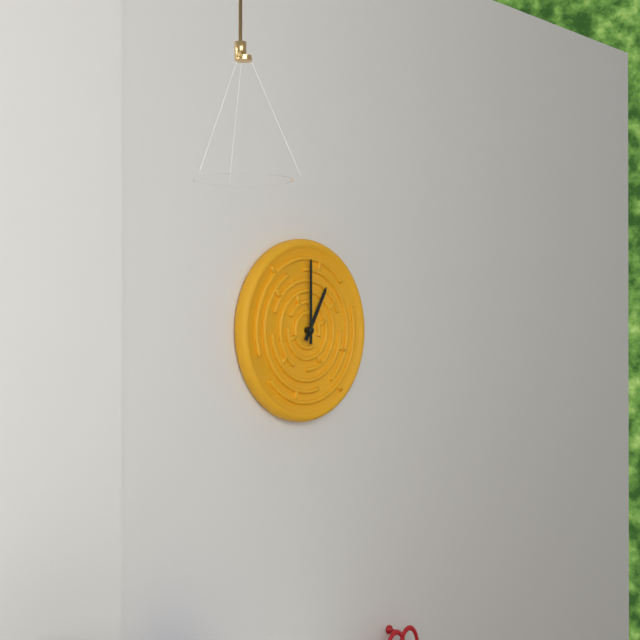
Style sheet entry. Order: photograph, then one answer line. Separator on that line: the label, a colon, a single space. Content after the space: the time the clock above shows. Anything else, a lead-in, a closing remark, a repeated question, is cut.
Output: 1:00
